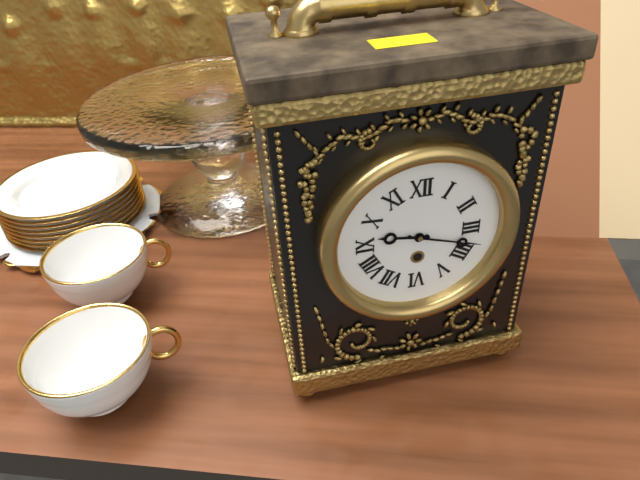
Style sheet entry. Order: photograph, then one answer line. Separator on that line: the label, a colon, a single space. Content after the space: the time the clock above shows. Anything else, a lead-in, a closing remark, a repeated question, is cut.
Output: 9:18
